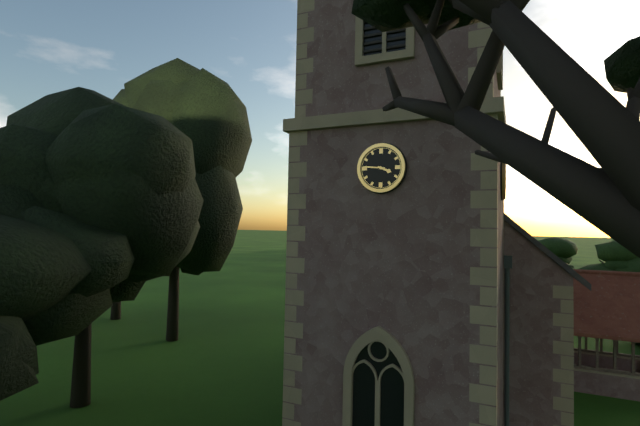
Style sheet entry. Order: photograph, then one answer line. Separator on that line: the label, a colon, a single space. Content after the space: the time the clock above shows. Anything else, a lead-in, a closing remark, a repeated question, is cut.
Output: 3:46
